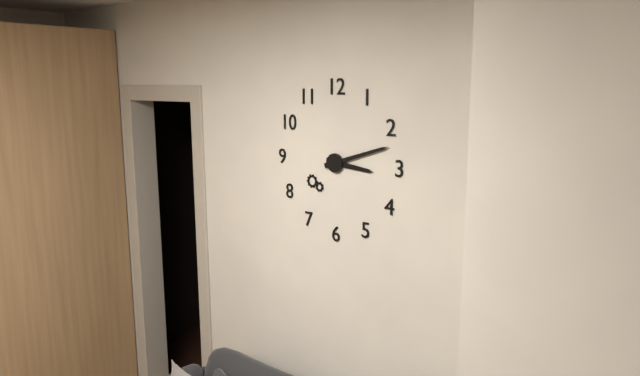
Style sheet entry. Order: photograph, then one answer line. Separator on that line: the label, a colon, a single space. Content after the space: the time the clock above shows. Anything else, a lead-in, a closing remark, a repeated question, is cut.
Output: 3:12
